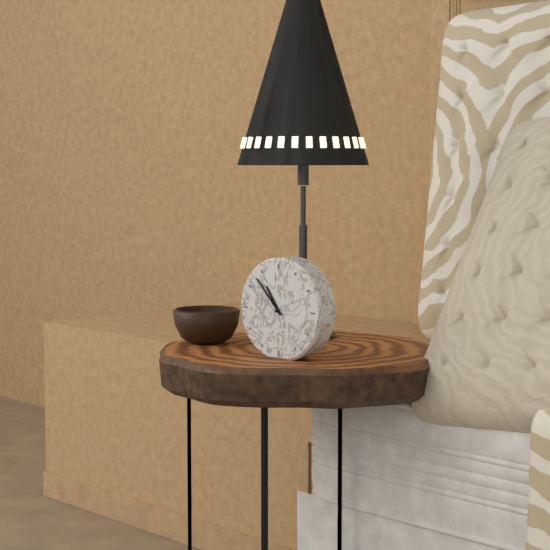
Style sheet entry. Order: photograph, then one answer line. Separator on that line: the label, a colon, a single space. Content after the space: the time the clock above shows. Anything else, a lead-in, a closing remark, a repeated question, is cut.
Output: 10:53
